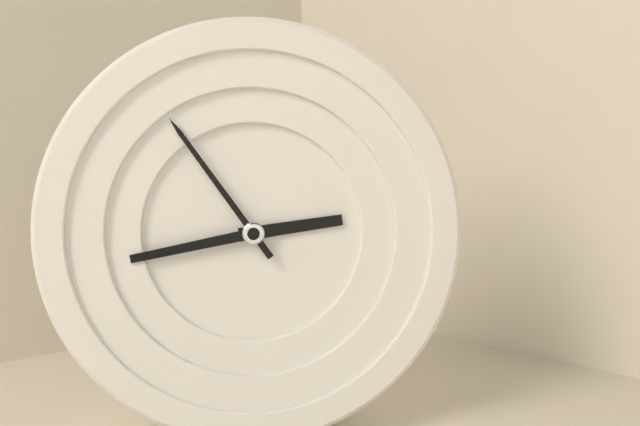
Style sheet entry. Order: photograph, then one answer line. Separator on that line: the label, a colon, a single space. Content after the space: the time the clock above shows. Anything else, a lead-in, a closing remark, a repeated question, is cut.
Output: 2:43:54
